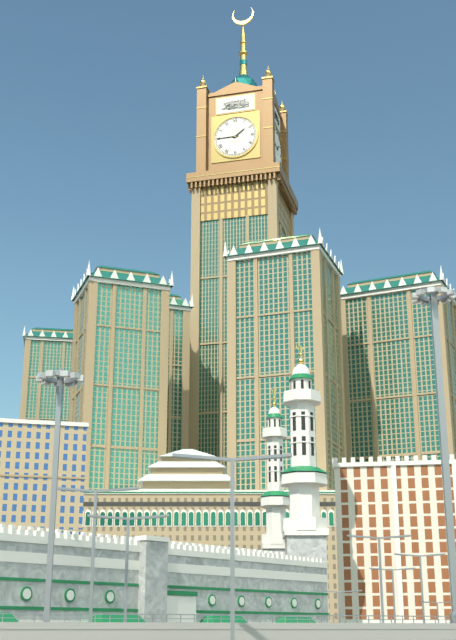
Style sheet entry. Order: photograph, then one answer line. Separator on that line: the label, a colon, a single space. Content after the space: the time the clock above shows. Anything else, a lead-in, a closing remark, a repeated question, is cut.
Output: 1:45
